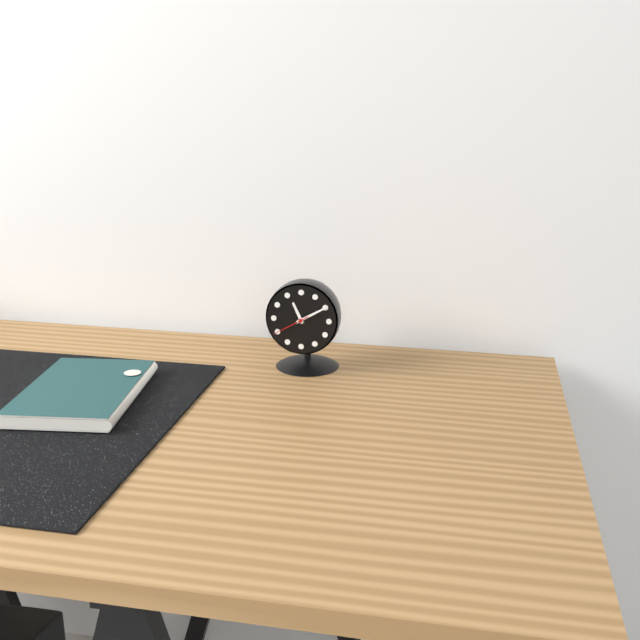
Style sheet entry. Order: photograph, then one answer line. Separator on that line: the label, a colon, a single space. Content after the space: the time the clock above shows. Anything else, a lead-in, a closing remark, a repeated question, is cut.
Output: 11:10
